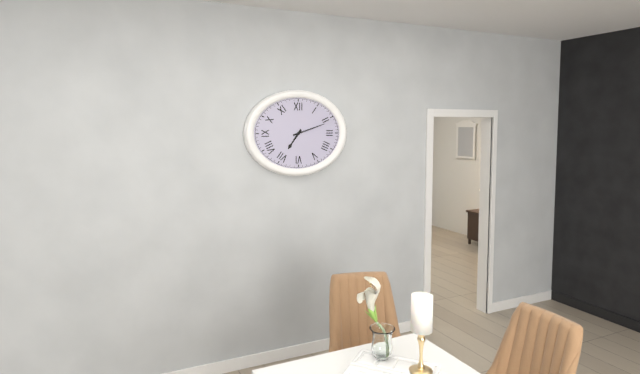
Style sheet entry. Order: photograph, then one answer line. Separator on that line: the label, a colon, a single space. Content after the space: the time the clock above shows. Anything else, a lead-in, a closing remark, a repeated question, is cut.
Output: 7:12
